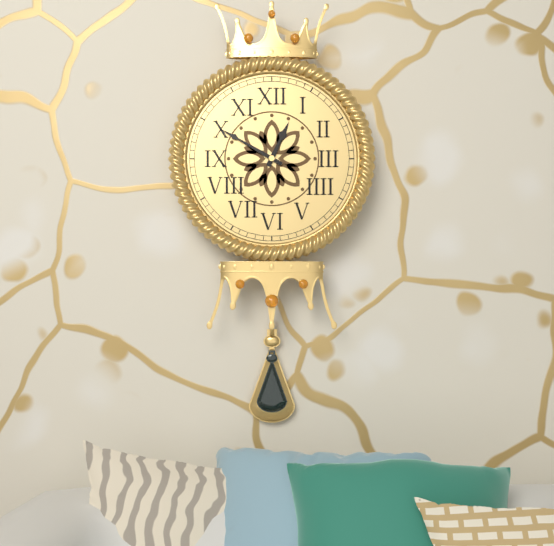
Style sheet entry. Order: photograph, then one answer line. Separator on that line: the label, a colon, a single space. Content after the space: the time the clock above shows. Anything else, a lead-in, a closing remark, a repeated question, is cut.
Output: 12:50
